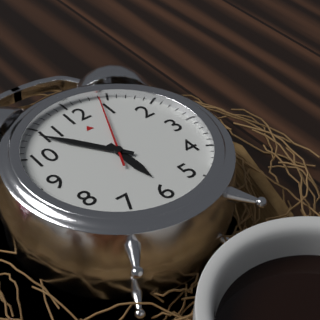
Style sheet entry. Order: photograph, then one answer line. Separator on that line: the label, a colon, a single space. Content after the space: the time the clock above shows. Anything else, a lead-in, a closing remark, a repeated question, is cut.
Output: 5:54:04
